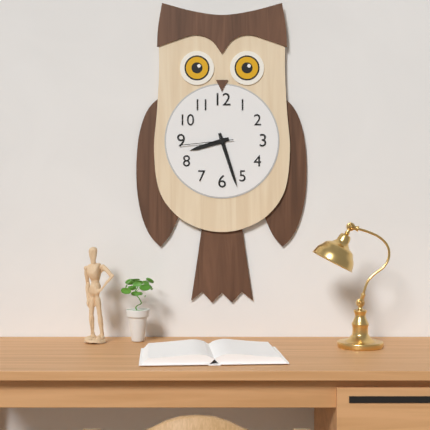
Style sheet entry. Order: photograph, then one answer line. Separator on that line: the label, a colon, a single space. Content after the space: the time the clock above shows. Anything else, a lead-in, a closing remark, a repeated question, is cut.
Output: 8:27:44
